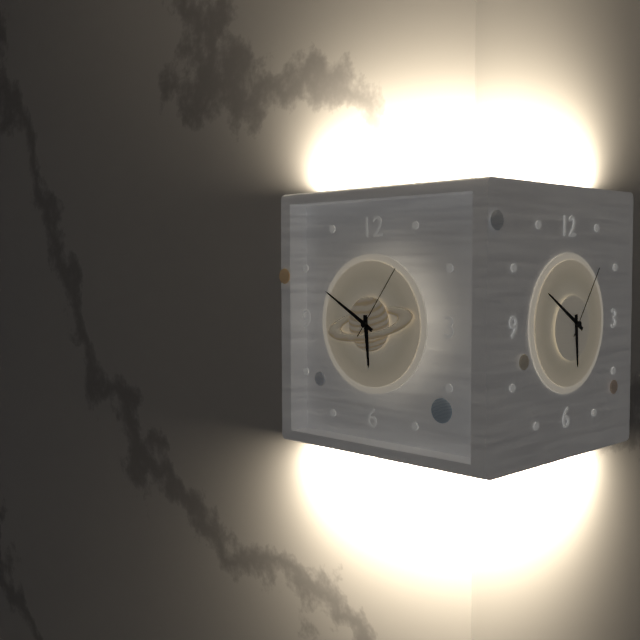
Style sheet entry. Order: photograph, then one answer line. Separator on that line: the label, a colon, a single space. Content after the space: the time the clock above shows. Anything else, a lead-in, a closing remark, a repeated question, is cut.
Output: 5:50:06
